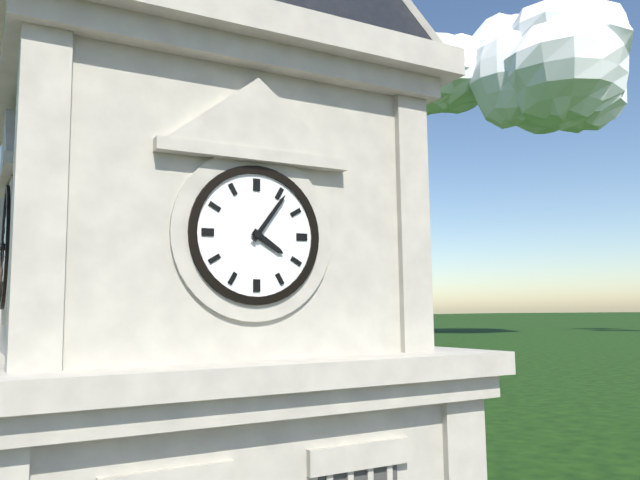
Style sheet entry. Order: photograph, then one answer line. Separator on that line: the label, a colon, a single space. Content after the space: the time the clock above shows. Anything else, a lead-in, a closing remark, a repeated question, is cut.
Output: 4:06
